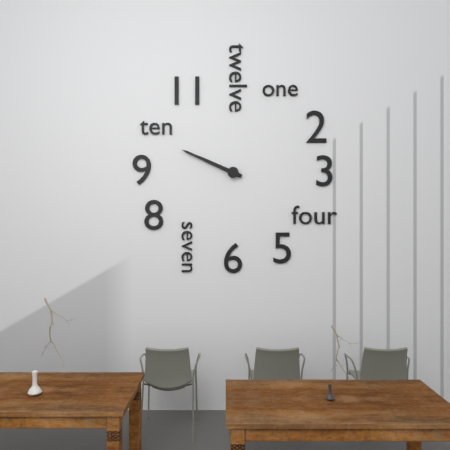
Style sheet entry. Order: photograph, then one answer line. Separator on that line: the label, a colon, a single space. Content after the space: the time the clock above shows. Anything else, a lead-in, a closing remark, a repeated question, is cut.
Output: 9:49
